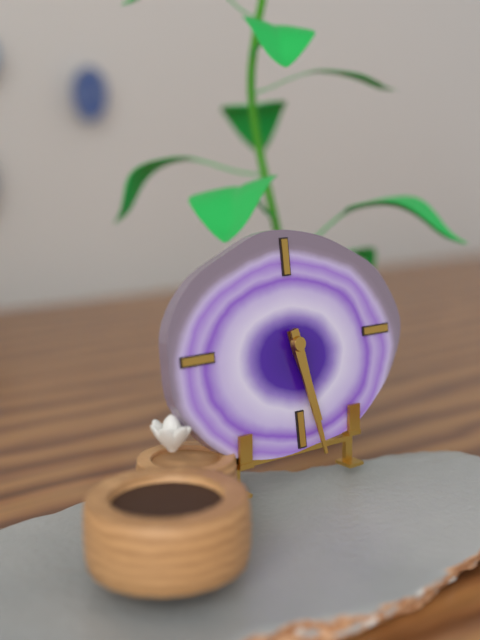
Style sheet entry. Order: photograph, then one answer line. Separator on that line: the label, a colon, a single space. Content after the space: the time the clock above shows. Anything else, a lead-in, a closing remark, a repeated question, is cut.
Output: 5:28
